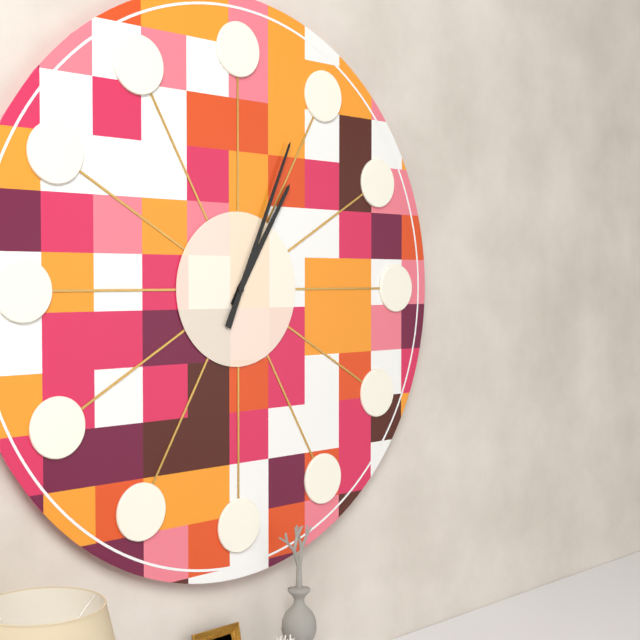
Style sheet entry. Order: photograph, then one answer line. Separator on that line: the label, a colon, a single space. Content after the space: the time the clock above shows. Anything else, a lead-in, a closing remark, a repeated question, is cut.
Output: 1:04
